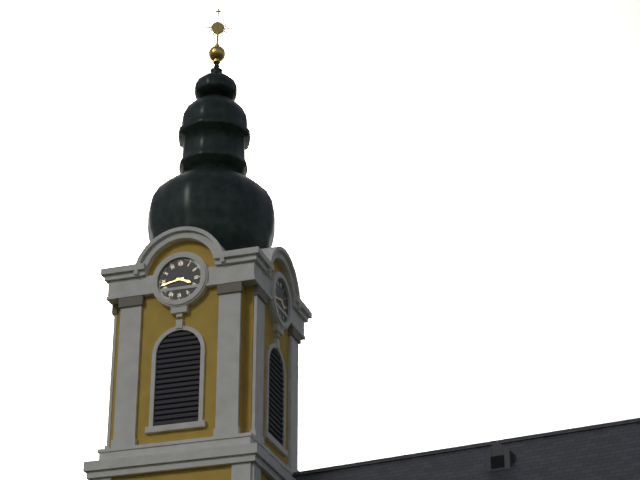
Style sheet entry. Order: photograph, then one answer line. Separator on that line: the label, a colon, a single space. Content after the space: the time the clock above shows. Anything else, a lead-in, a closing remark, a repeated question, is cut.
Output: 3:43
